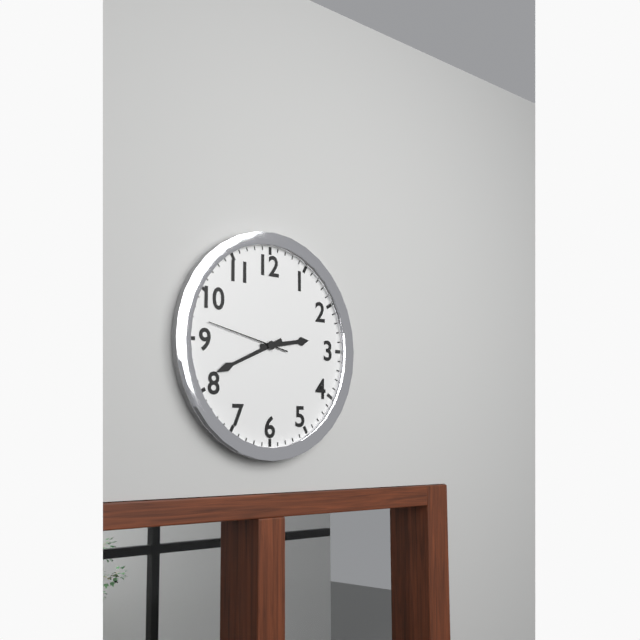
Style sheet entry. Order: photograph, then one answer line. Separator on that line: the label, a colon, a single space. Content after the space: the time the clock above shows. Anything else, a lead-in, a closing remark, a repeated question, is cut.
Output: 2:41:47
